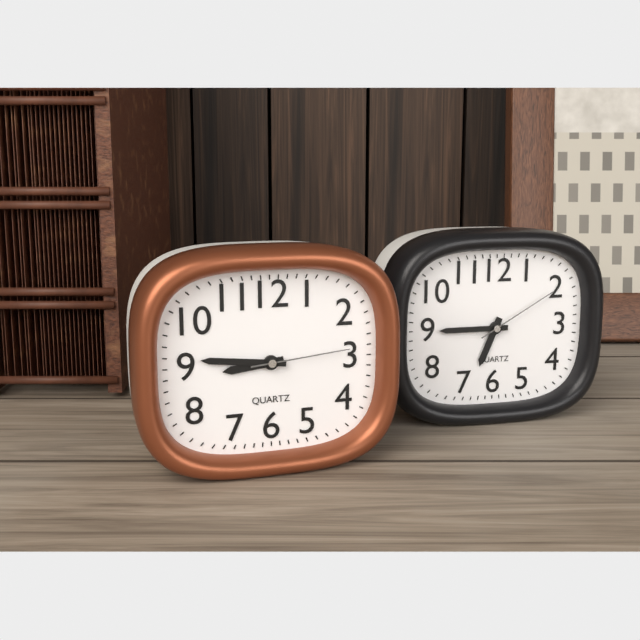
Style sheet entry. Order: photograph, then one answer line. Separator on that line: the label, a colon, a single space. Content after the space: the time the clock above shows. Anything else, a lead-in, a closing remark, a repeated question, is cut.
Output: 8:46:14
